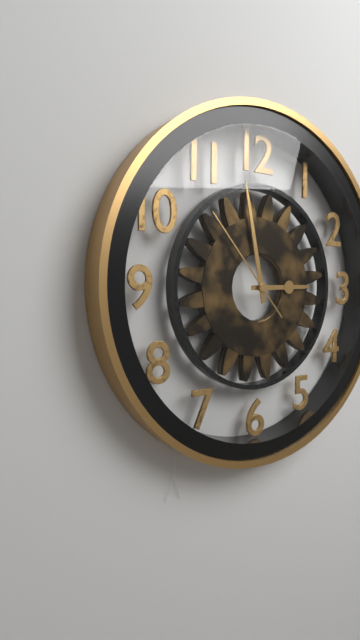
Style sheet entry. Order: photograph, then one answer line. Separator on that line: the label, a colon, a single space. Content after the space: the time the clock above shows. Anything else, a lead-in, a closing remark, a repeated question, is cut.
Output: 2:58:53
